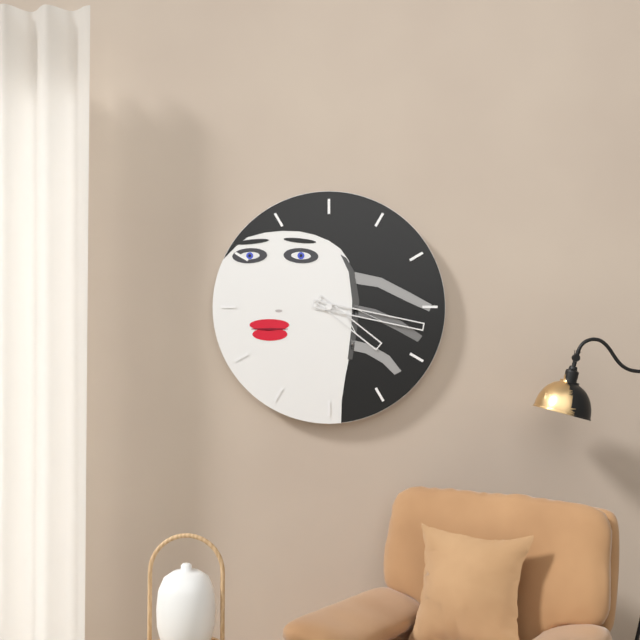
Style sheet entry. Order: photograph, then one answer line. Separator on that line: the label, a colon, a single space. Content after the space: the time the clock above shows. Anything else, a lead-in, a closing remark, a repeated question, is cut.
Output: 4:17
